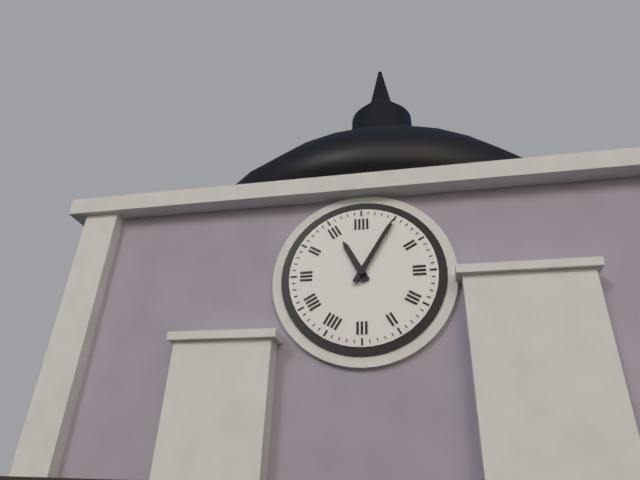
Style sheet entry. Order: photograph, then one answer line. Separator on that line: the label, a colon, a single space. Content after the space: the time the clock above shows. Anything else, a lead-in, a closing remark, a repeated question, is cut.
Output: 11:05
